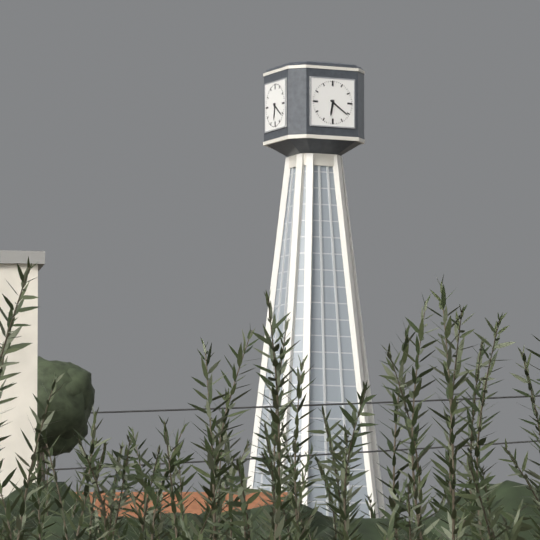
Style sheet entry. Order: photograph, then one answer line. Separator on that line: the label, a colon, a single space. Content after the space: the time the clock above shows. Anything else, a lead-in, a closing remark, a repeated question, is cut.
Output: 6:21
